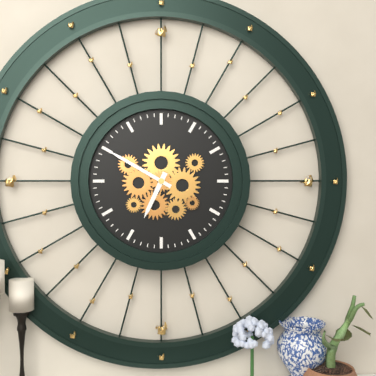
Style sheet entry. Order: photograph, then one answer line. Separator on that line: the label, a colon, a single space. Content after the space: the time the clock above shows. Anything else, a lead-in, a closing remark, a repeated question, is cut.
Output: 6:50
